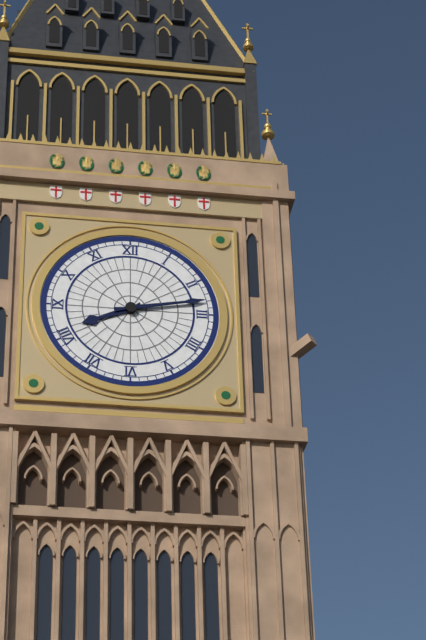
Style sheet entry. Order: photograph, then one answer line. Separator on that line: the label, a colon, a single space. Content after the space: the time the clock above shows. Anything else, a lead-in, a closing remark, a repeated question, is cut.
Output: 8:13
